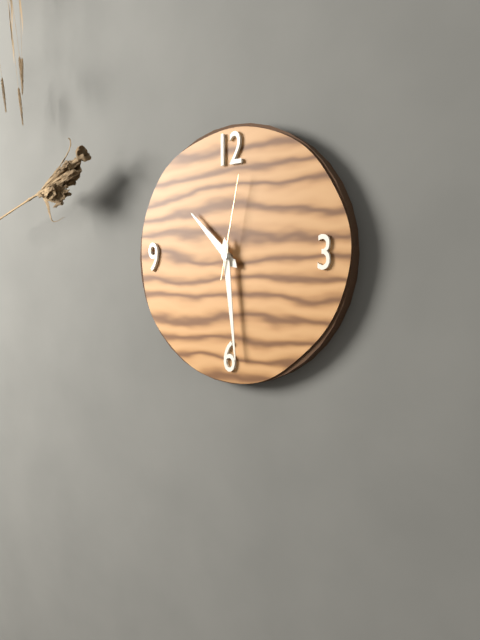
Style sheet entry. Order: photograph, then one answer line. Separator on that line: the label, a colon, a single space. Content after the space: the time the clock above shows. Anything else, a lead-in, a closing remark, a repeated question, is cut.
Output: 10:29:02
